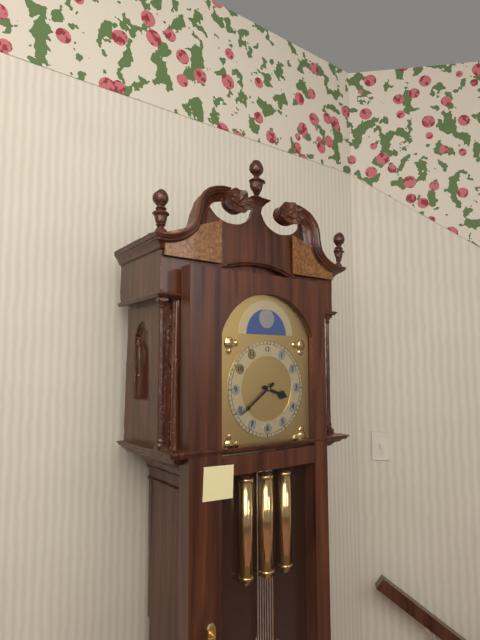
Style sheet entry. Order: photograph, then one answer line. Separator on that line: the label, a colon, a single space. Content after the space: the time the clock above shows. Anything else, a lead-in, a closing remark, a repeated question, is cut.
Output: 3:39
